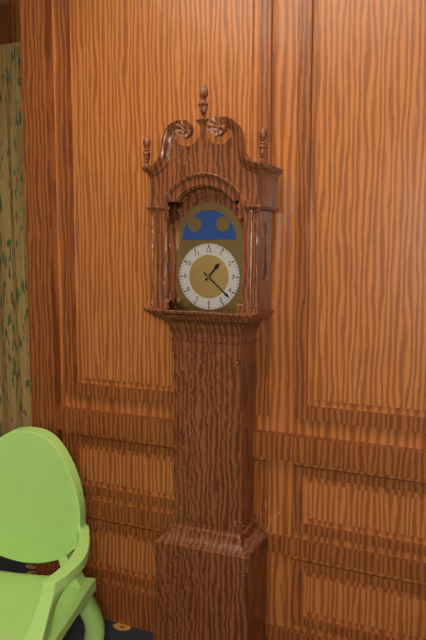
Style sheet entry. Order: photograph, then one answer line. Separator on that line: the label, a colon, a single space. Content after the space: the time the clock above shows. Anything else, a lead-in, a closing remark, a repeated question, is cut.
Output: 1:22
